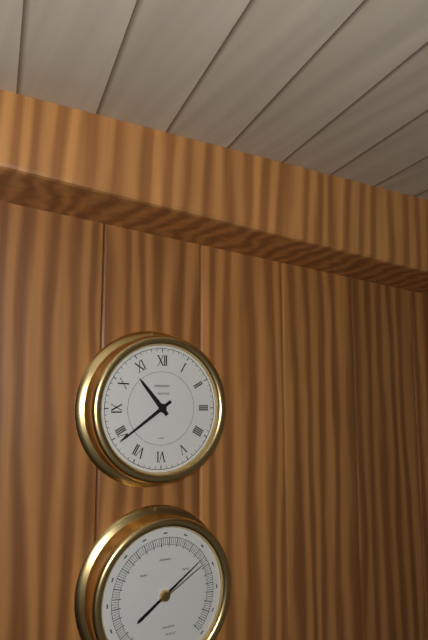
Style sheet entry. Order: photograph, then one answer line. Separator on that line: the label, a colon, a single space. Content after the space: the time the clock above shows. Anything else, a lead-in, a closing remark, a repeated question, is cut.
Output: 10:39
